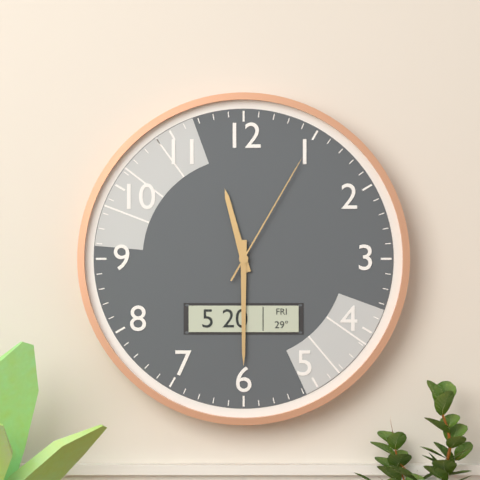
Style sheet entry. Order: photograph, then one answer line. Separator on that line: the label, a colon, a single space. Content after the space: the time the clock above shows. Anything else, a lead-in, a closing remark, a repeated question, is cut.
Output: 11:30:05
